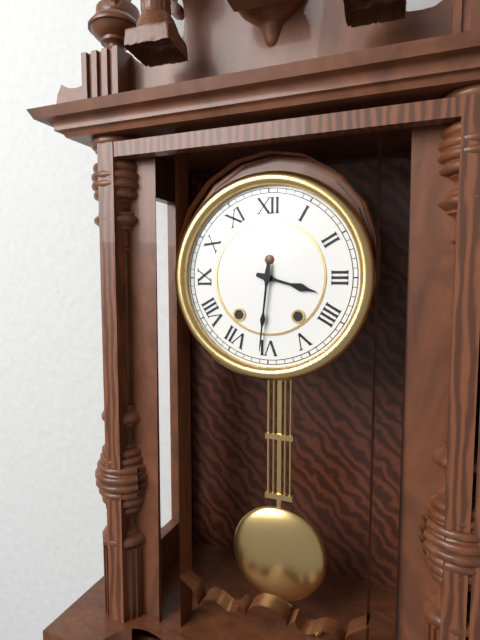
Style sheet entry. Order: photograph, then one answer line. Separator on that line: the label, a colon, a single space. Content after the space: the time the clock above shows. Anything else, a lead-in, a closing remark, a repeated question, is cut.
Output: 3:31
